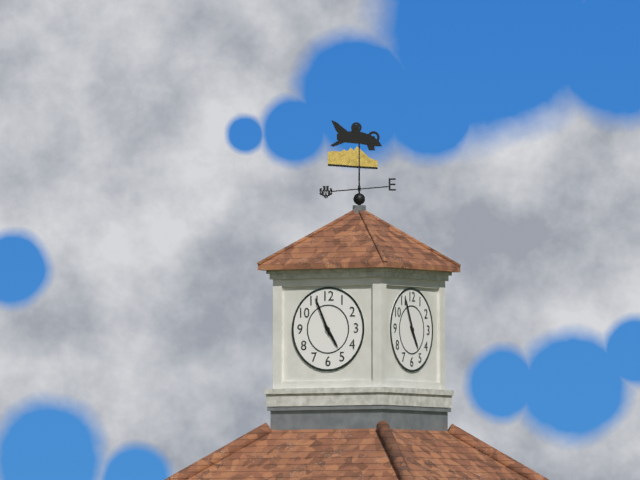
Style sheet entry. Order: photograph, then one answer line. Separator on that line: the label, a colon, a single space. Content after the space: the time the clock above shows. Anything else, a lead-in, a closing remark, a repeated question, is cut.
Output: 4:56
